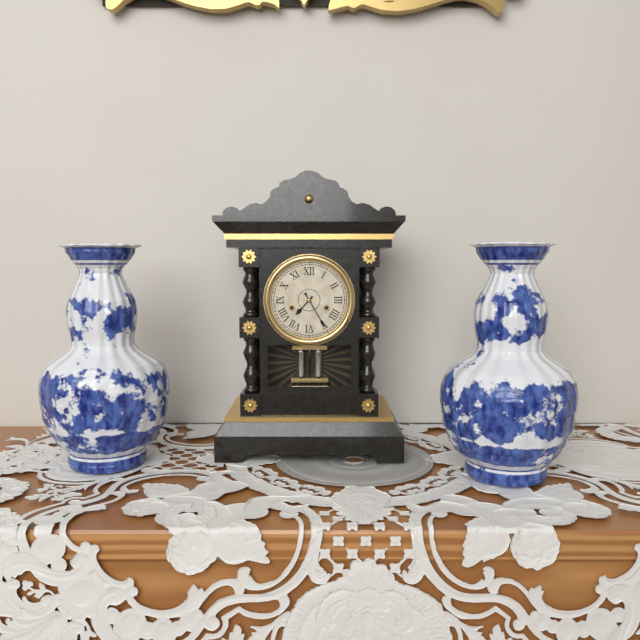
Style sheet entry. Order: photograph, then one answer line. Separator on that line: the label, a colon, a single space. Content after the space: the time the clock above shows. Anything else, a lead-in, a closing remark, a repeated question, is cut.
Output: 7:25
